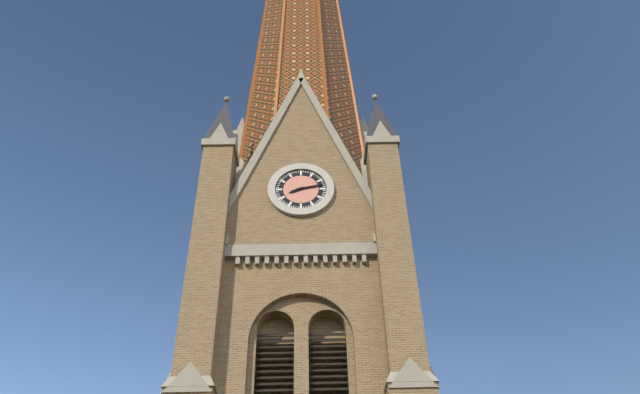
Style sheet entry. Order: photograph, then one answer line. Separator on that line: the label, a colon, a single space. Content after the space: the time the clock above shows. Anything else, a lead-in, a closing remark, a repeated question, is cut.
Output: 8:13
